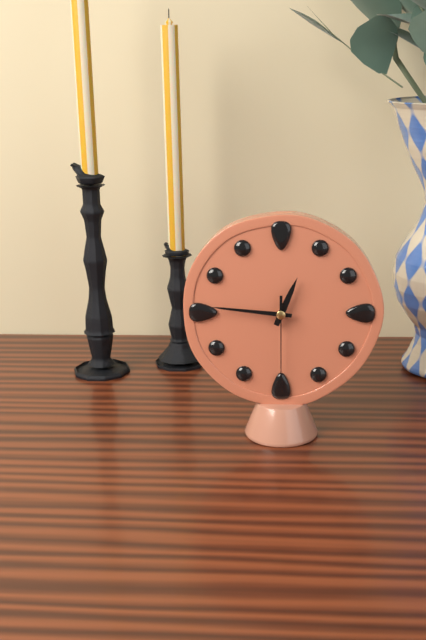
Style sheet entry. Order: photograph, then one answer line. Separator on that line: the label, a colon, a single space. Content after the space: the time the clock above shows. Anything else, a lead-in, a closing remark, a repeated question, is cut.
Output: 12:46:30
